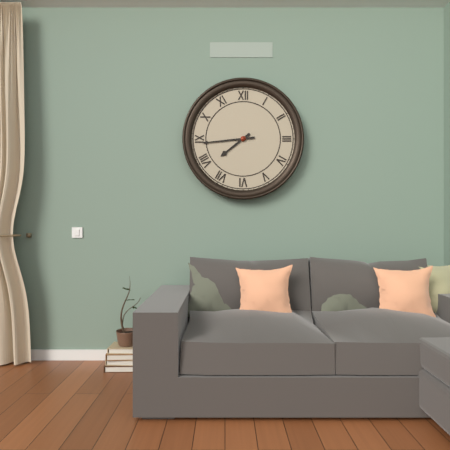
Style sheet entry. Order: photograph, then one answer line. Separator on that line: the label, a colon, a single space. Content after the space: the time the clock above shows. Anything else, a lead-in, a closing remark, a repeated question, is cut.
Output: 7:44
